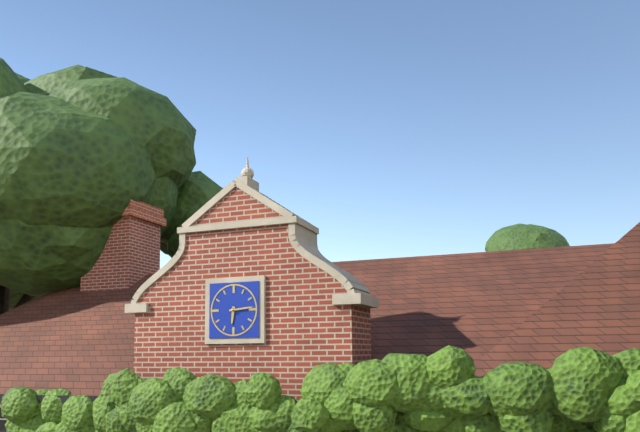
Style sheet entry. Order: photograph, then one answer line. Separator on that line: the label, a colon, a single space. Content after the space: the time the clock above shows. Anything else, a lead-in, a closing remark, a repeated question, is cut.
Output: 6:14
